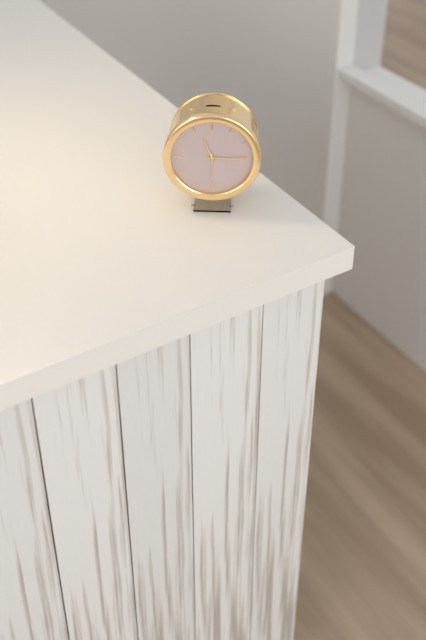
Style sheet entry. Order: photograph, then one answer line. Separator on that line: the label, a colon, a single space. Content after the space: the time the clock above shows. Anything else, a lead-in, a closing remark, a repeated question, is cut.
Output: 11:15
